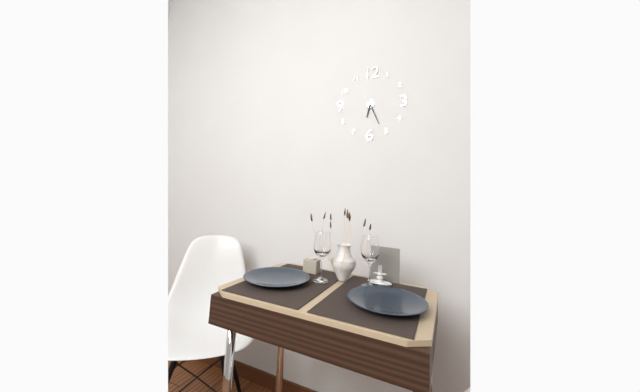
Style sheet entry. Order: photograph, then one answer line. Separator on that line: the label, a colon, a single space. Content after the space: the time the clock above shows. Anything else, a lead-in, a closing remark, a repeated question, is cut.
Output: 6:26
